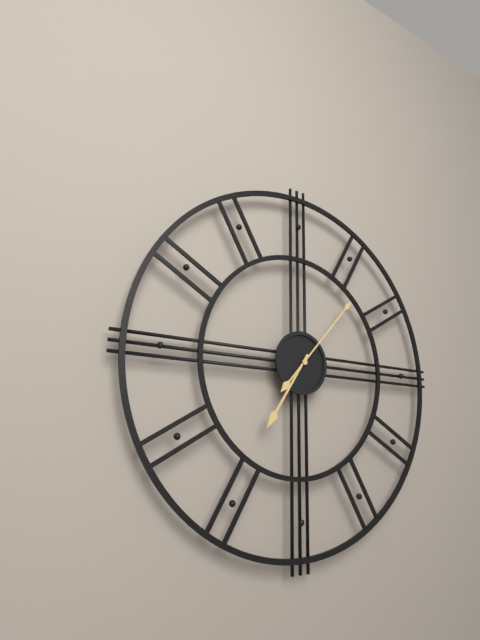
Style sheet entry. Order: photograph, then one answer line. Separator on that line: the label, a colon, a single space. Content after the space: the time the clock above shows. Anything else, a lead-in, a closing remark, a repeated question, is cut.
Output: 7:07
